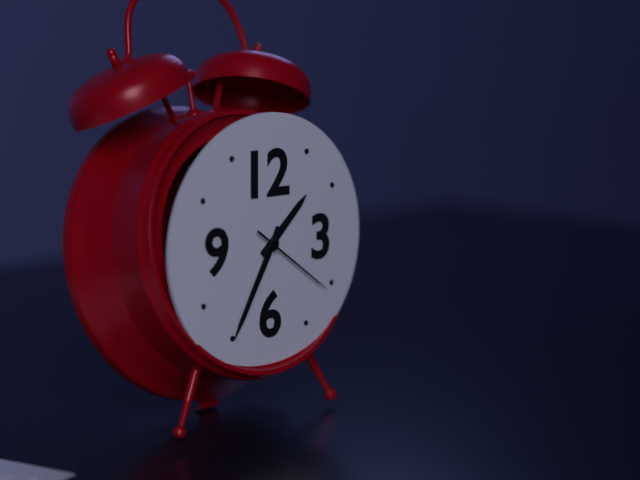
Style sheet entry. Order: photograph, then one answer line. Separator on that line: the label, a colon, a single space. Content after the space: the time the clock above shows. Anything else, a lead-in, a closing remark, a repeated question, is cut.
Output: 1:35:21
